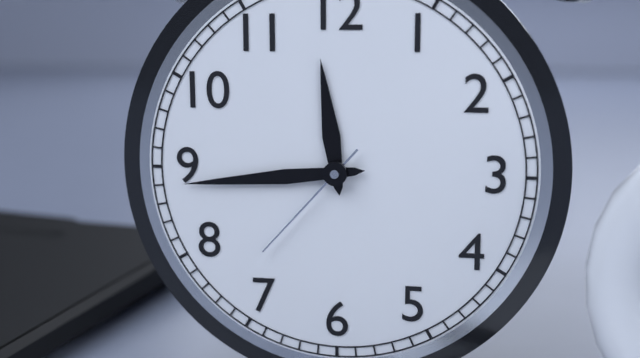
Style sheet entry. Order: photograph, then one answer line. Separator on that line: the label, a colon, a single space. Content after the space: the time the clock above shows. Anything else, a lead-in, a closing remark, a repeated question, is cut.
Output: 11:44:37
